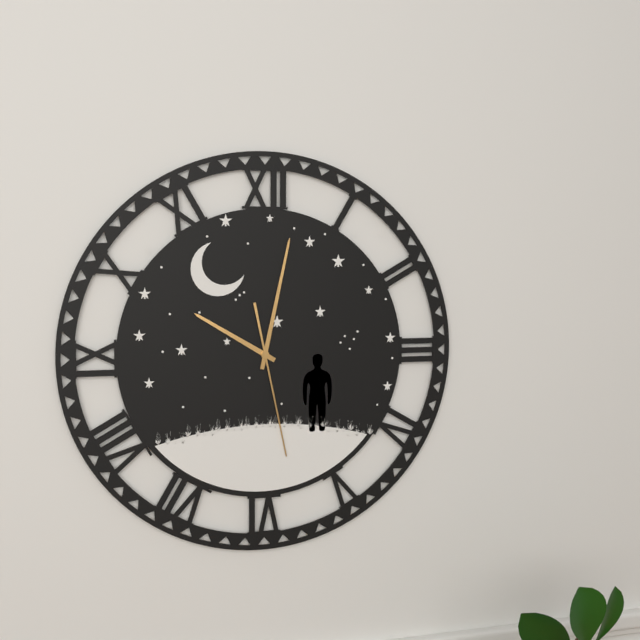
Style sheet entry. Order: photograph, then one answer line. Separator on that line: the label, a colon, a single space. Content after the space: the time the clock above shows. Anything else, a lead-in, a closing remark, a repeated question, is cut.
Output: 10:02:28
